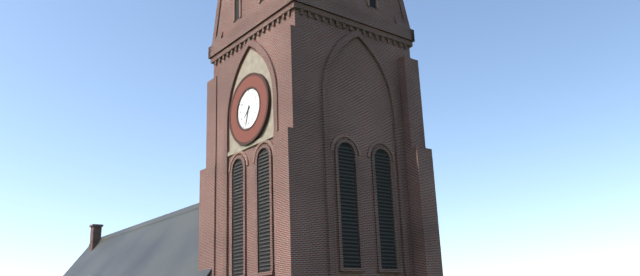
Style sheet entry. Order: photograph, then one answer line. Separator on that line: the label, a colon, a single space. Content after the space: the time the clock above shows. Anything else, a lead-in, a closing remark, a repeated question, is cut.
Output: 7:33
